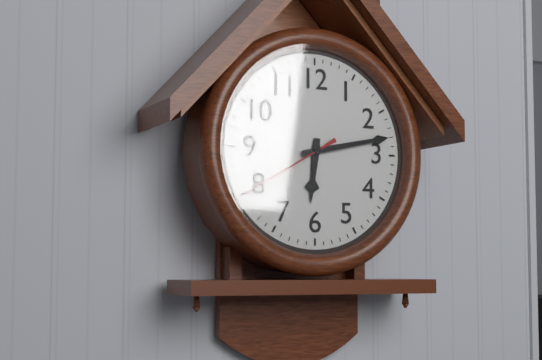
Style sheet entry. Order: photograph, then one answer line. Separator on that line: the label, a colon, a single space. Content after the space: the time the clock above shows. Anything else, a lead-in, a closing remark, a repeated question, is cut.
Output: 6:13:40
